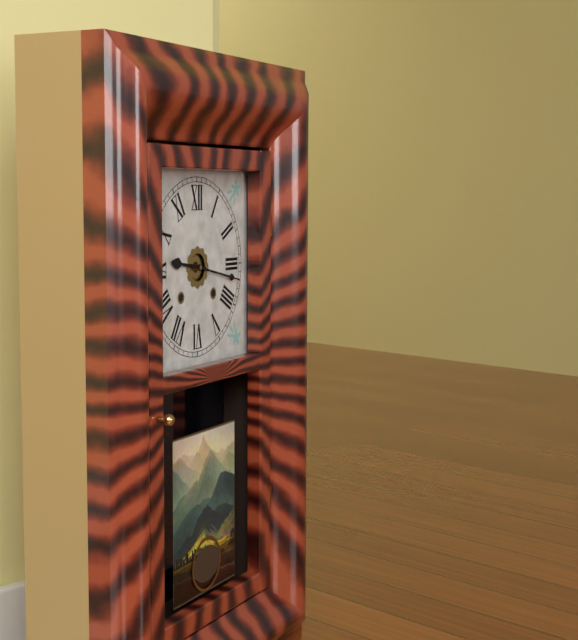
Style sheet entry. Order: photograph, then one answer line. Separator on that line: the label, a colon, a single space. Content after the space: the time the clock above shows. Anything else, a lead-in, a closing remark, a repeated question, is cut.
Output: 9:17
